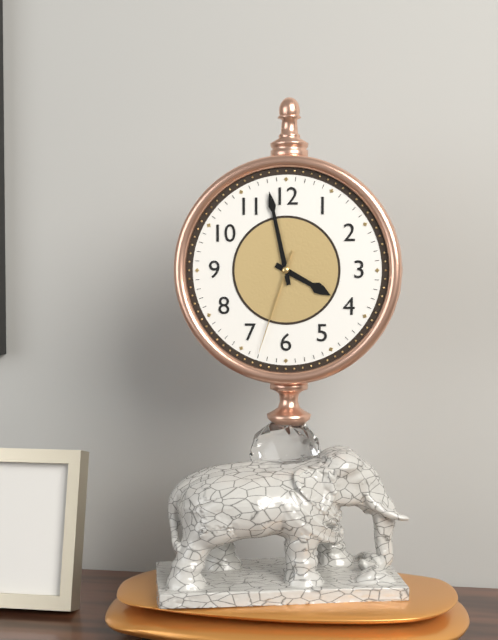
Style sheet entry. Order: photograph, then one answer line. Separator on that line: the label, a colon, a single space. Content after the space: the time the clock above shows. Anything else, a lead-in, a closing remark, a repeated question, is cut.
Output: 3:58:33
